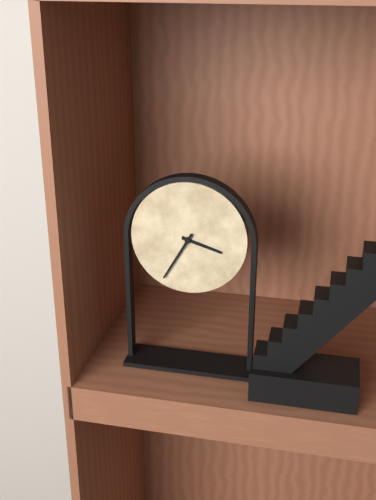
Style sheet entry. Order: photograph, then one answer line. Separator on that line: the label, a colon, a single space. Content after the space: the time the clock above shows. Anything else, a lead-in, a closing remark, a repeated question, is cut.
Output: 3:35
